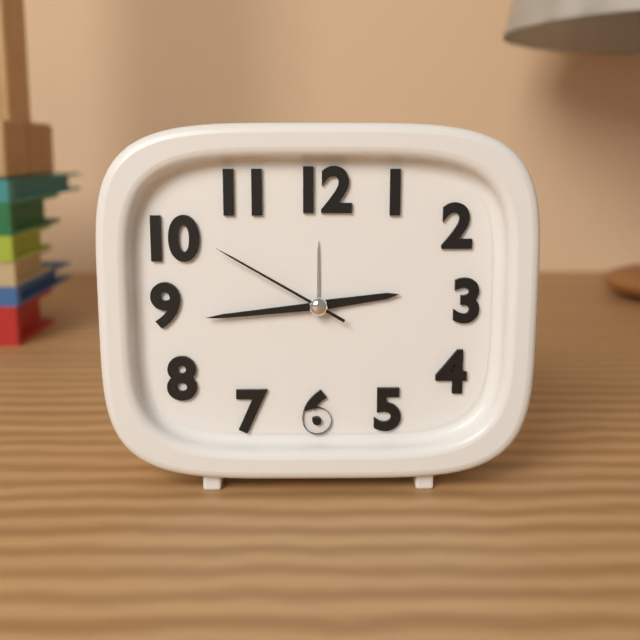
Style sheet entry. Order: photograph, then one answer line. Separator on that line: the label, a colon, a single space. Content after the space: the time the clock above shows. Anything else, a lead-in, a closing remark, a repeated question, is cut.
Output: 2:44:50
